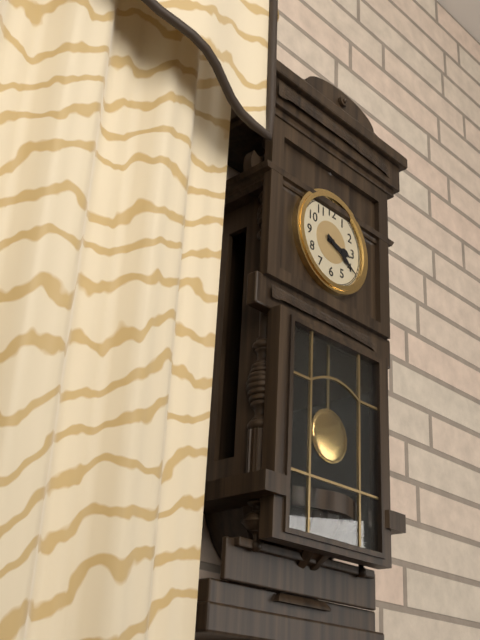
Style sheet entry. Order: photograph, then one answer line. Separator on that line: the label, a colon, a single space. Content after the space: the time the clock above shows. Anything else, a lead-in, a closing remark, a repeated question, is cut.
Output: 3:20
